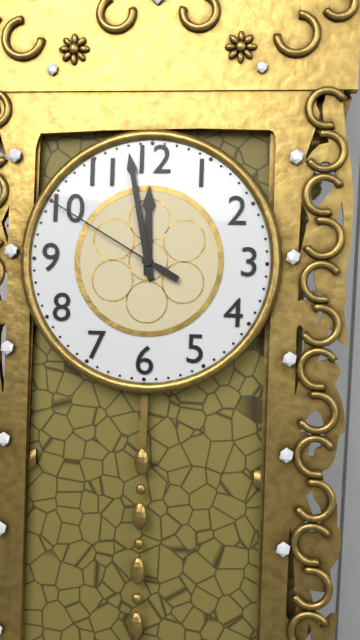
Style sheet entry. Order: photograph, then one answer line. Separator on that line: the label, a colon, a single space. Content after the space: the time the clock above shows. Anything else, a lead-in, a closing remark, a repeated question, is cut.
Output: 11:58:50
